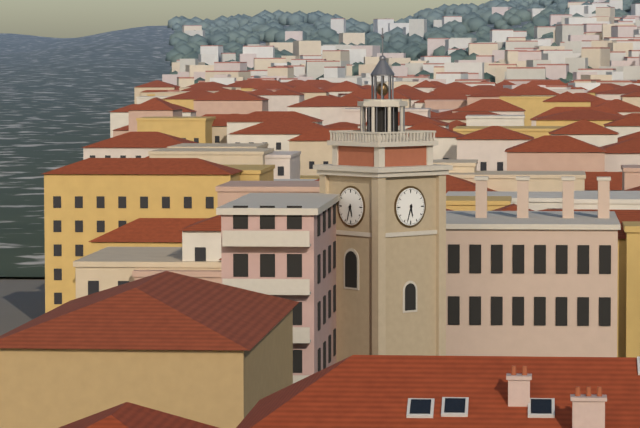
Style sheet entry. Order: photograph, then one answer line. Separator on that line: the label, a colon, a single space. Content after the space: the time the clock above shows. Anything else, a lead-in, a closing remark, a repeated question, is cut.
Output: 5:33
